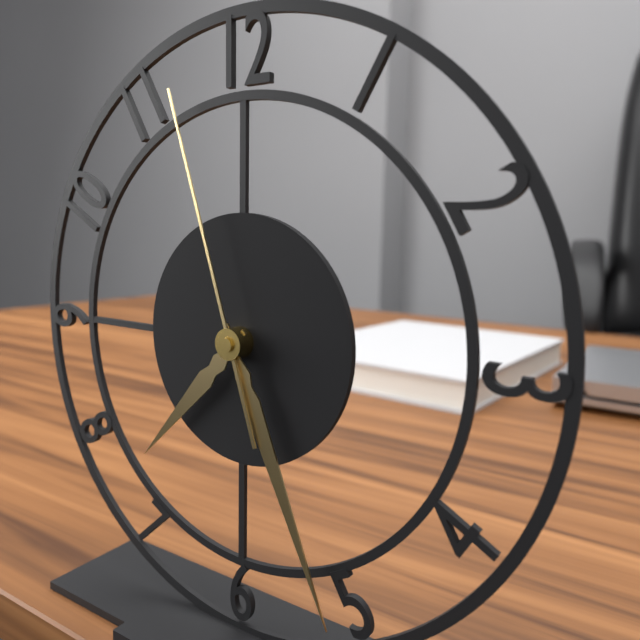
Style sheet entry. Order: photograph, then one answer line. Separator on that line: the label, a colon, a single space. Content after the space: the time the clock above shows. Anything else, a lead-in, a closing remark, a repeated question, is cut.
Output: 7:26:57
